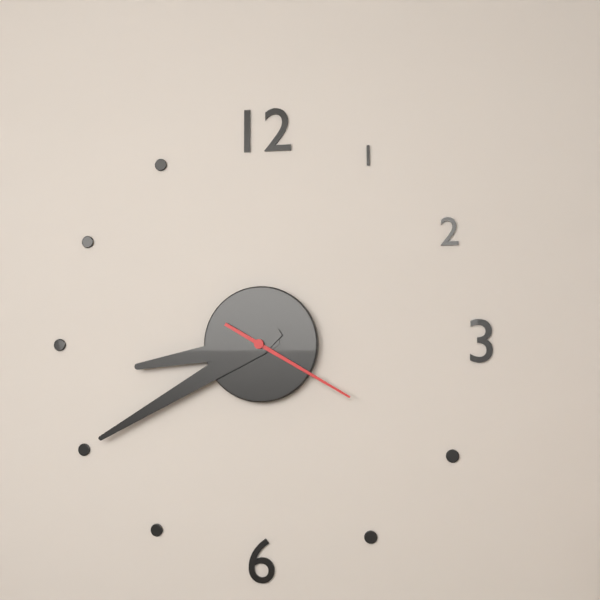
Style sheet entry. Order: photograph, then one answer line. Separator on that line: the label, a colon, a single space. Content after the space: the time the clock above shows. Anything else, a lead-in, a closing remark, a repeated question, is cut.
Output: 8:40:20
